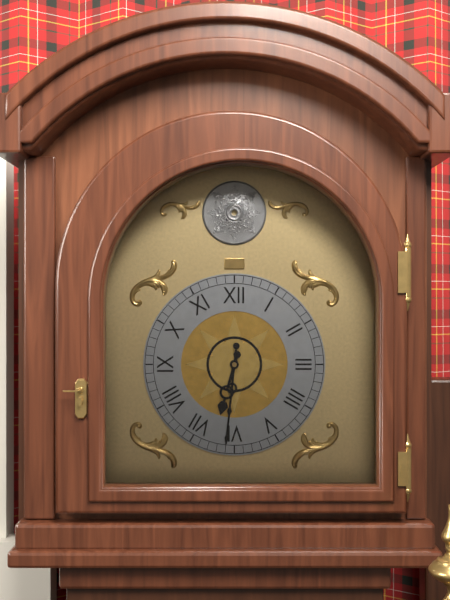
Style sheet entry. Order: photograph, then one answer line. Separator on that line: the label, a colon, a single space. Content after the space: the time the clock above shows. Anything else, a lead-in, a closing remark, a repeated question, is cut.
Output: 6:31
